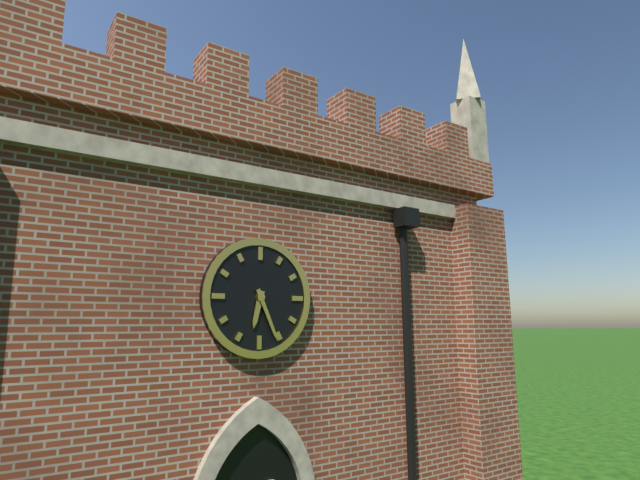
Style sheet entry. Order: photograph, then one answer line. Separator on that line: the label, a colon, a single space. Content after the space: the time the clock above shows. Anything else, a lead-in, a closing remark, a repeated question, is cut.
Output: 6:26
